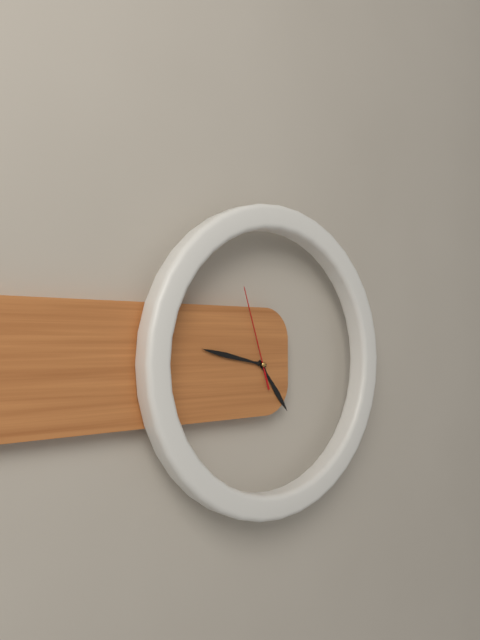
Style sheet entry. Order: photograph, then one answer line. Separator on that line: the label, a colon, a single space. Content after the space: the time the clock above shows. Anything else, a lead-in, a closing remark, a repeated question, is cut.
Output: 4:47:57
